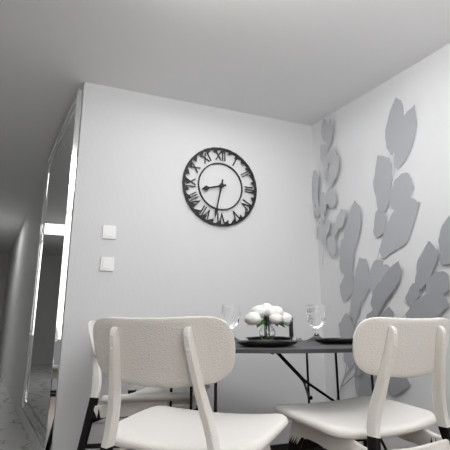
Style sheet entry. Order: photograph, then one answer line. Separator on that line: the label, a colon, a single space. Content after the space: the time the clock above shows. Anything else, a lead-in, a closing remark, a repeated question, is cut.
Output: 8:32
